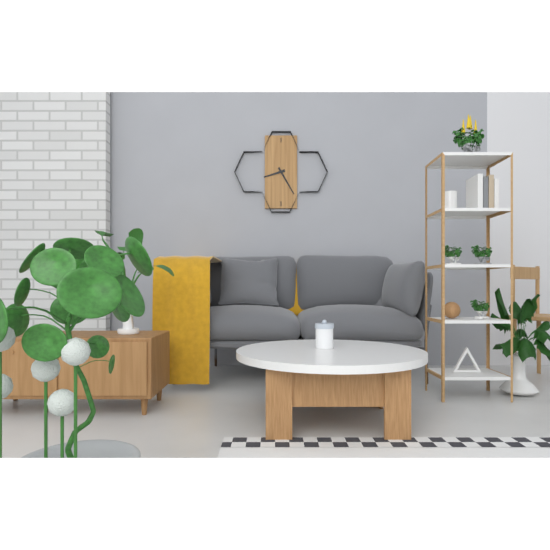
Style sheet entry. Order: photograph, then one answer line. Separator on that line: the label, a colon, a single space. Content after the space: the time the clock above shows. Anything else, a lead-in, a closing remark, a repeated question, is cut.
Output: 8:25
